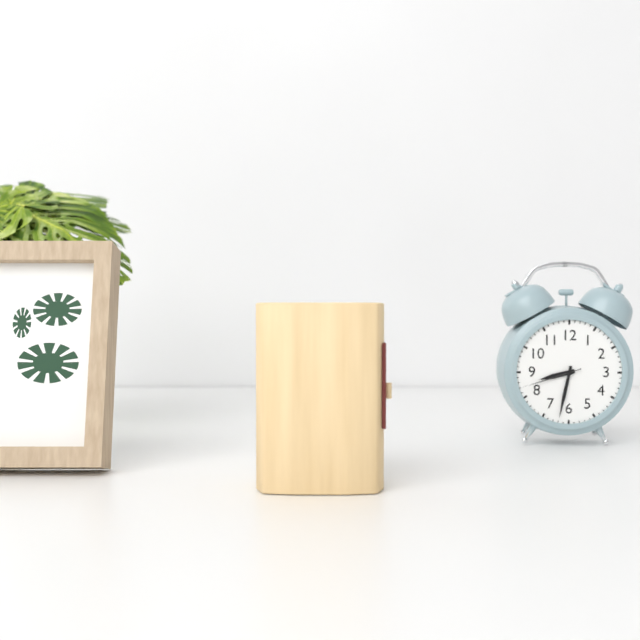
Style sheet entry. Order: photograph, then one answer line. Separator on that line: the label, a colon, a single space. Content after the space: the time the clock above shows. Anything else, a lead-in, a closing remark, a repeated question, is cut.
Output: 8:32:42
